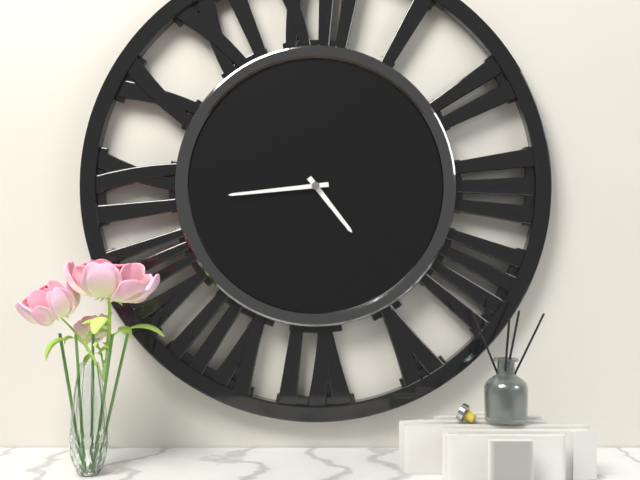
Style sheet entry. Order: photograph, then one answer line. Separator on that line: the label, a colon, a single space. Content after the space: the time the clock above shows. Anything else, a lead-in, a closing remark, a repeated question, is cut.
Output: 4:44
